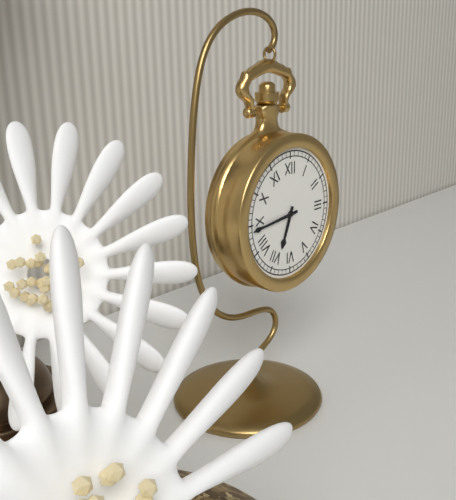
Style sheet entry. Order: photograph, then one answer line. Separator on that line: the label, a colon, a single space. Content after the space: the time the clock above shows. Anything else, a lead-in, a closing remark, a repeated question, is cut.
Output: 6:44
